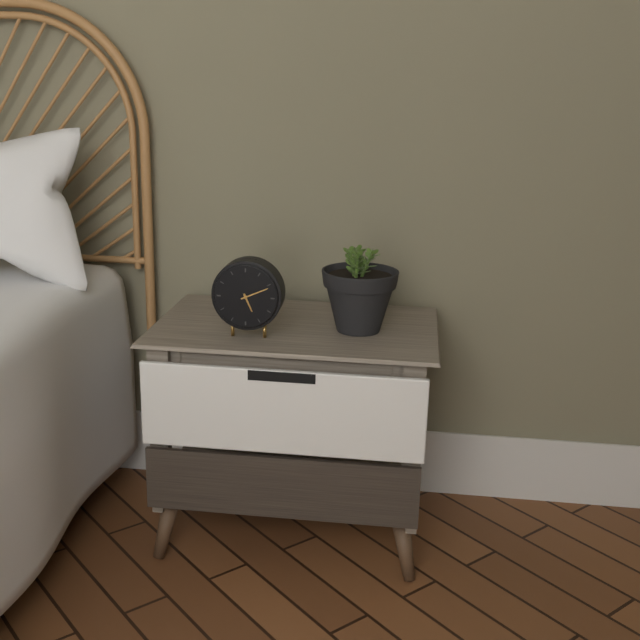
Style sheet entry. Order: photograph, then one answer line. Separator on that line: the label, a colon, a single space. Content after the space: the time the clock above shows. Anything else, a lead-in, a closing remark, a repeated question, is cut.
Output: 5:11
